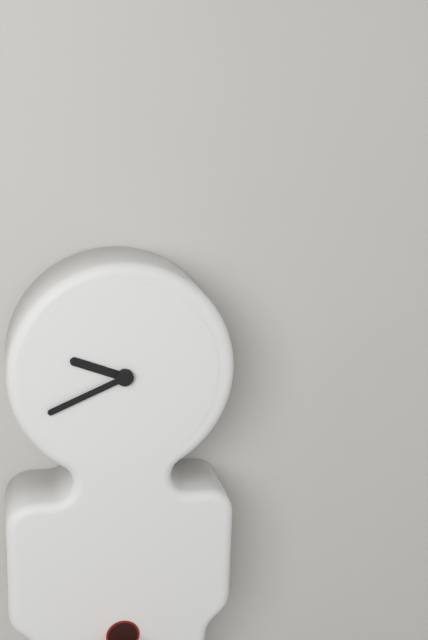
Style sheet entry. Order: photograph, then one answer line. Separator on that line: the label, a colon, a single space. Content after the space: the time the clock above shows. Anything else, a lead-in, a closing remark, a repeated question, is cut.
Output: 9:41
